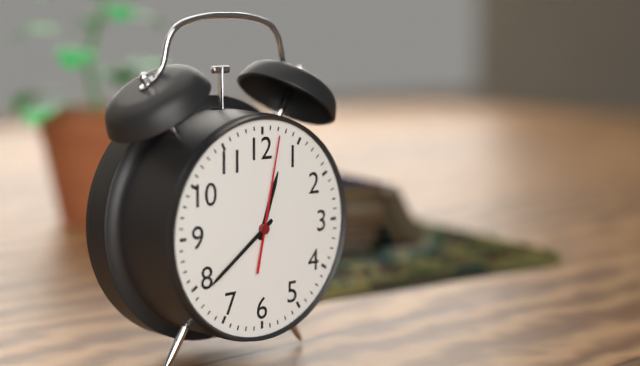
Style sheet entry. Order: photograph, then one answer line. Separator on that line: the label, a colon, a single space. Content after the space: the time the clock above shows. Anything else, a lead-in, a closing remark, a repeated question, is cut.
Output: 12:39:02
